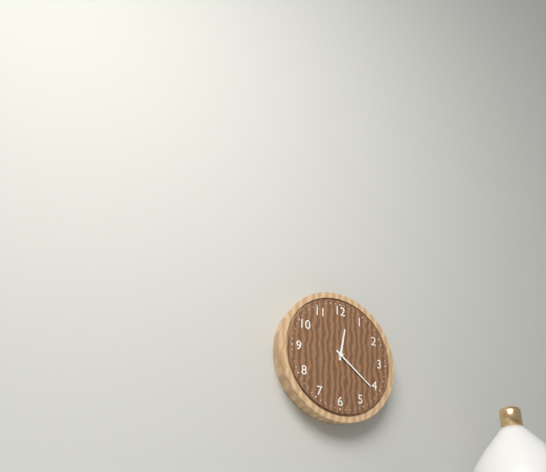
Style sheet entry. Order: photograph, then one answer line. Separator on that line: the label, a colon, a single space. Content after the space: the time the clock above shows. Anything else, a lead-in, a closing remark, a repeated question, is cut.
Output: 12:21
